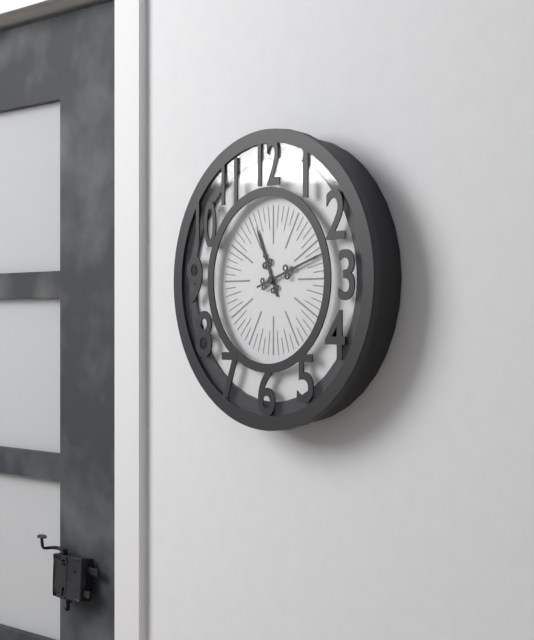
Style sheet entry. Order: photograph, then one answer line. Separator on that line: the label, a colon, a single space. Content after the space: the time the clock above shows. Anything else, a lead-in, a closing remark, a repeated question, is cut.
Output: 11:12
